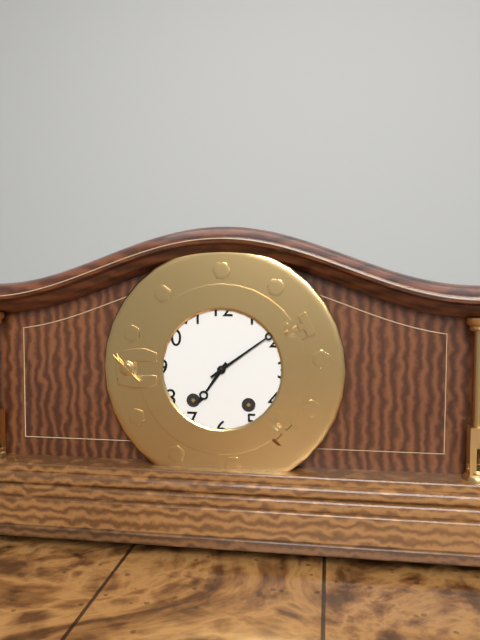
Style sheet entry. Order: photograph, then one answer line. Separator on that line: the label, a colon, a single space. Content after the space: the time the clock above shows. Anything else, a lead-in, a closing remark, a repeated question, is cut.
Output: 7:09
